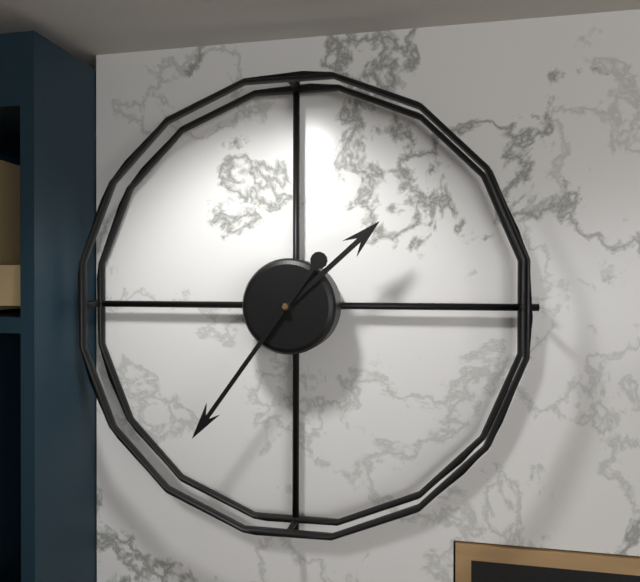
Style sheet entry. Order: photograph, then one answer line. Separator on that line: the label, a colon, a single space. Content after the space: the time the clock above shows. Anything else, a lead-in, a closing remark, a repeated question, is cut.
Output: 1:36
